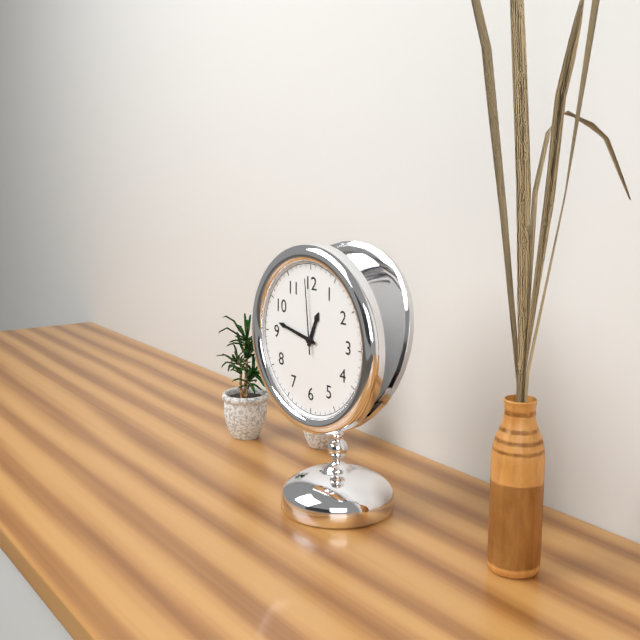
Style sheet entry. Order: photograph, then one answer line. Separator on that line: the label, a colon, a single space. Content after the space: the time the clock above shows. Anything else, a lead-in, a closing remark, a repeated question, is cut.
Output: 12:47:59
